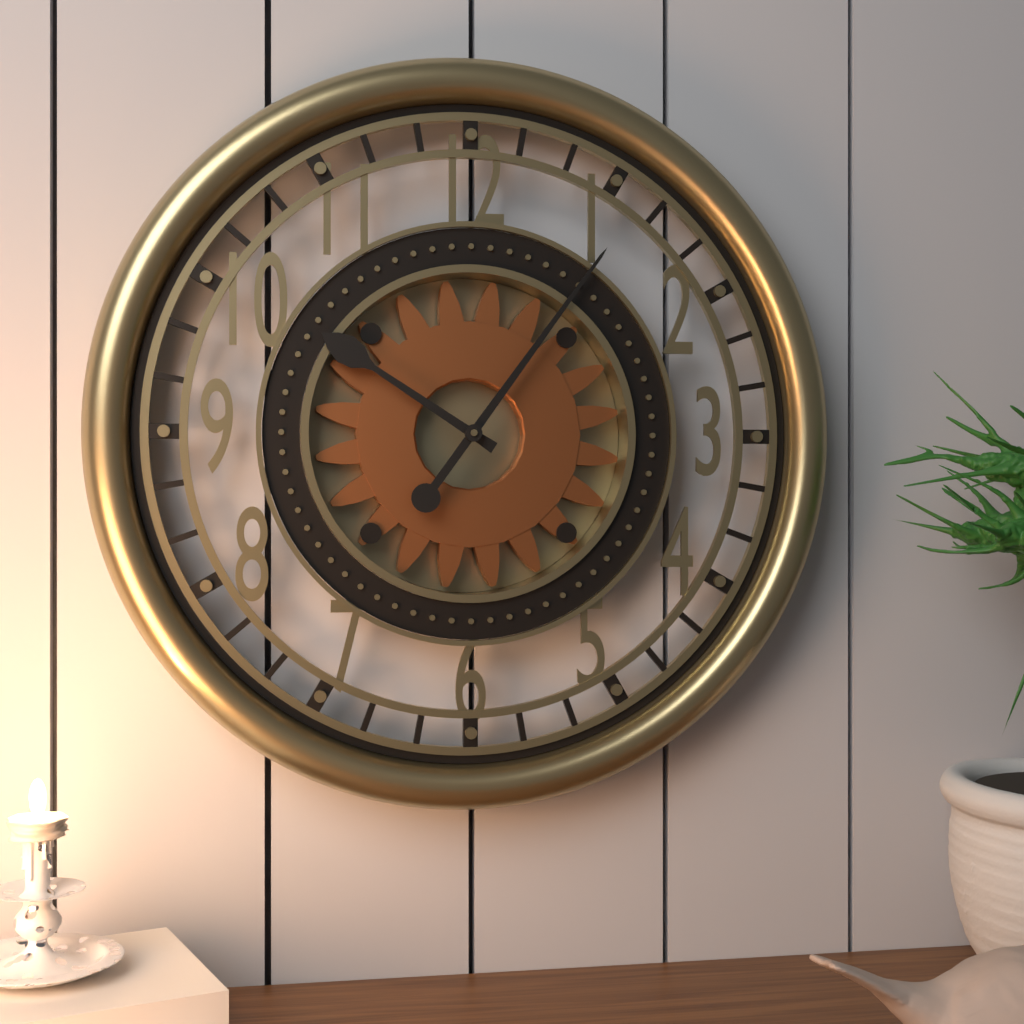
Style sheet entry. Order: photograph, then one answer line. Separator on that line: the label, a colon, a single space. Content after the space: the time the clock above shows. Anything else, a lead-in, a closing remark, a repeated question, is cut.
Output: 10:06
